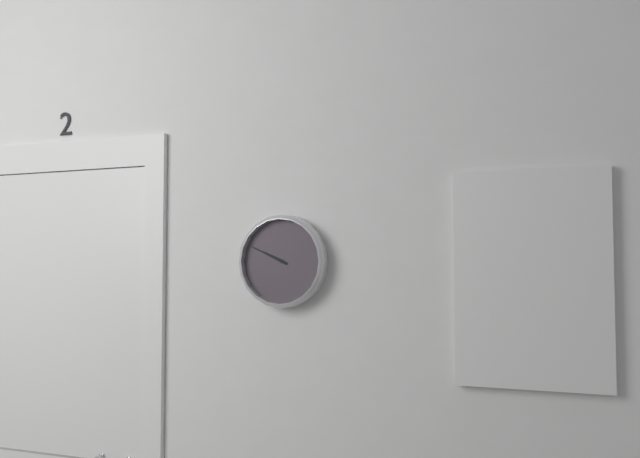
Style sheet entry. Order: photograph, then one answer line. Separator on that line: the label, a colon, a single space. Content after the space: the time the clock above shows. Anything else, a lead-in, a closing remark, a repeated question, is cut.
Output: 9:49
